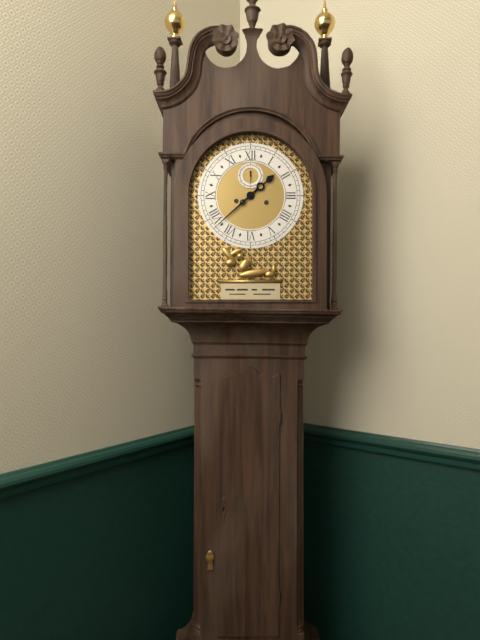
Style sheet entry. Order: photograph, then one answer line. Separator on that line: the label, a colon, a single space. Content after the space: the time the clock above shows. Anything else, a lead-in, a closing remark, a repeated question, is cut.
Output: 1:38
